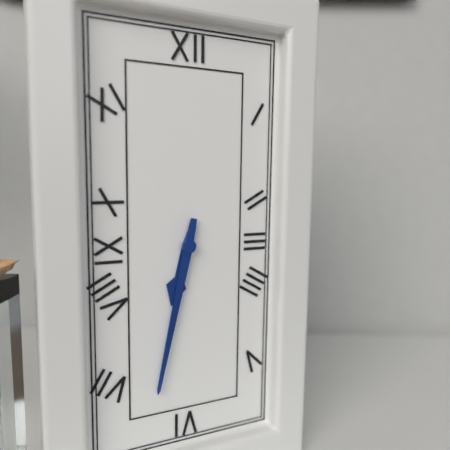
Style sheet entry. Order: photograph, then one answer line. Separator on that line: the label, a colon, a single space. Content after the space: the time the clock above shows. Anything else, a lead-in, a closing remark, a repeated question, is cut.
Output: 6:32
